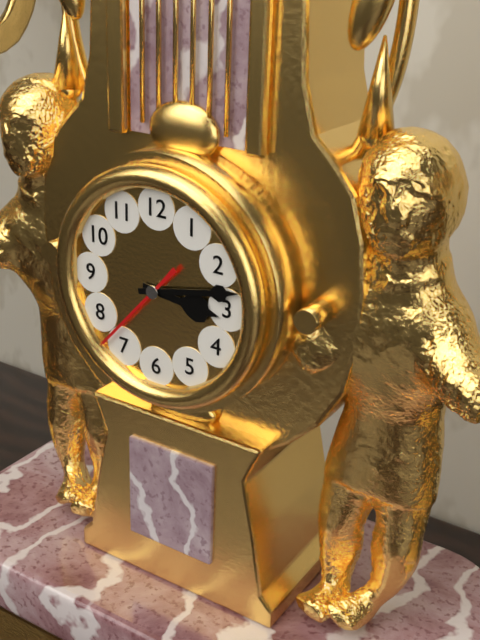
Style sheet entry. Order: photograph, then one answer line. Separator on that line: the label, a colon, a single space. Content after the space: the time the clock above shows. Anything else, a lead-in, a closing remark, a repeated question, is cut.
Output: 3:13:37
